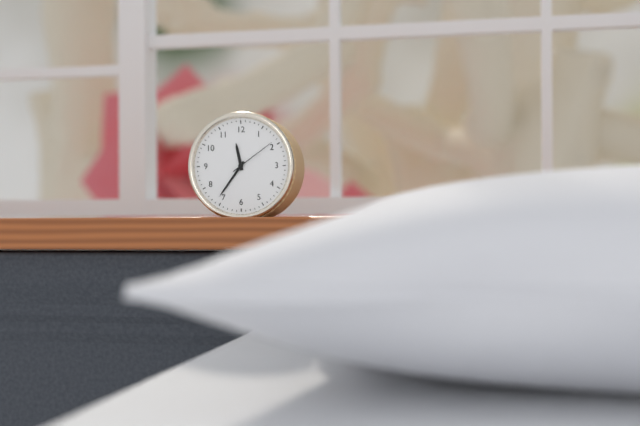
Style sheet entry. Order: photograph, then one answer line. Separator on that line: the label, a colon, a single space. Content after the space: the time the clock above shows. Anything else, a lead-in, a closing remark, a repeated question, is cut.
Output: 11:36:09
